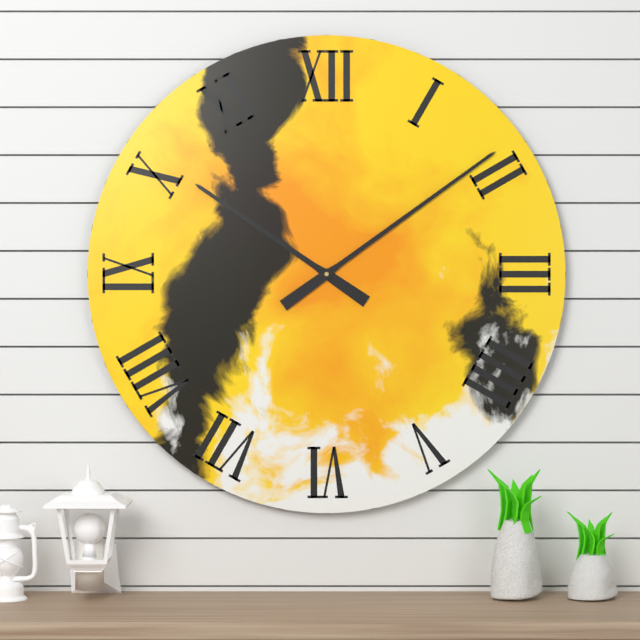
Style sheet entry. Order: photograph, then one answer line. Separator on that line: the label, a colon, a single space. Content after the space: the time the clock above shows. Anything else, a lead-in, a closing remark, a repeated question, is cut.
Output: 10:09
